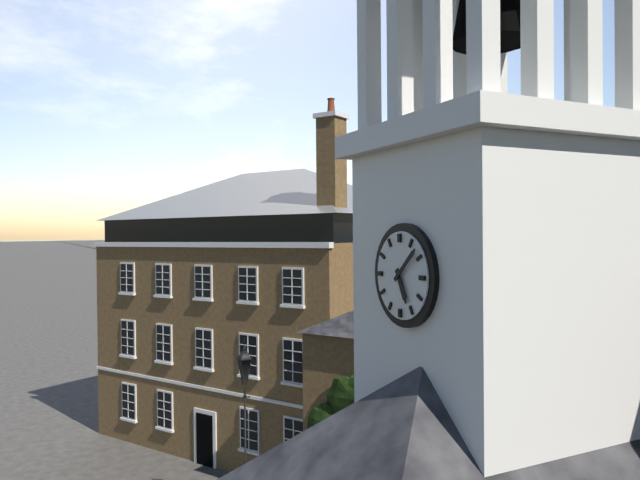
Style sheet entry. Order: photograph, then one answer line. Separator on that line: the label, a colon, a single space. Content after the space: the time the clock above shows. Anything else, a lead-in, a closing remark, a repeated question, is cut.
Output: 5:08
